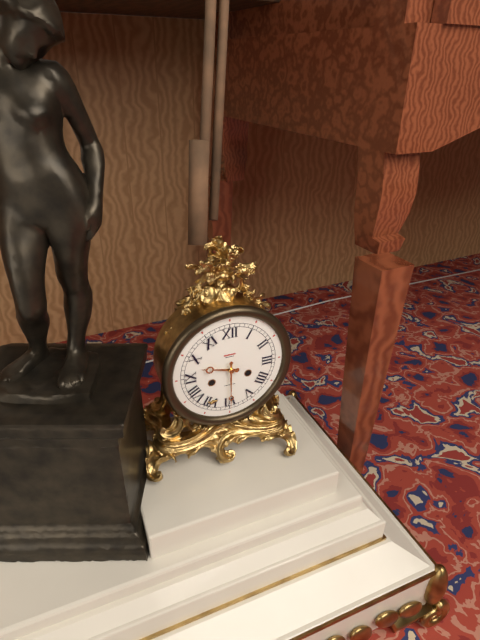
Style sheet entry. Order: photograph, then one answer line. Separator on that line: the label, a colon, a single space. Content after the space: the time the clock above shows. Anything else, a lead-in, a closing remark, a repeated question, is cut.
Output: 9:30
